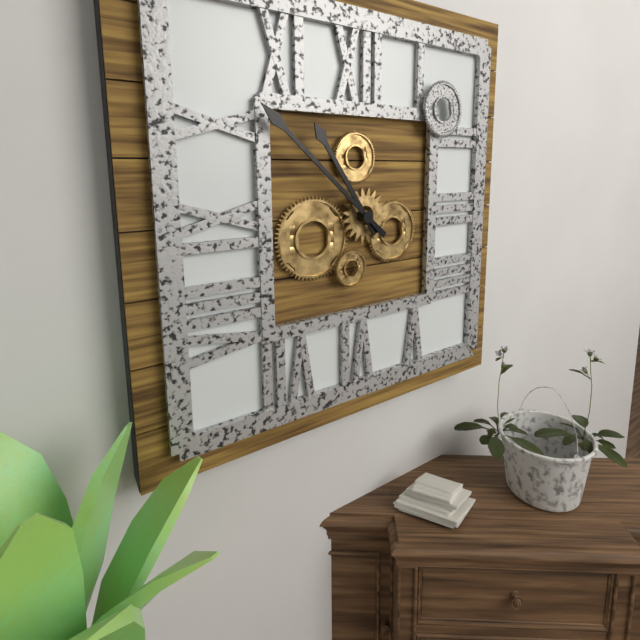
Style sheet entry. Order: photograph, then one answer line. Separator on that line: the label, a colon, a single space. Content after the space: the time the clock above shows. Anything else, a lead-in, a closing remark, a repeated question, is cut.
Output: 10:52
